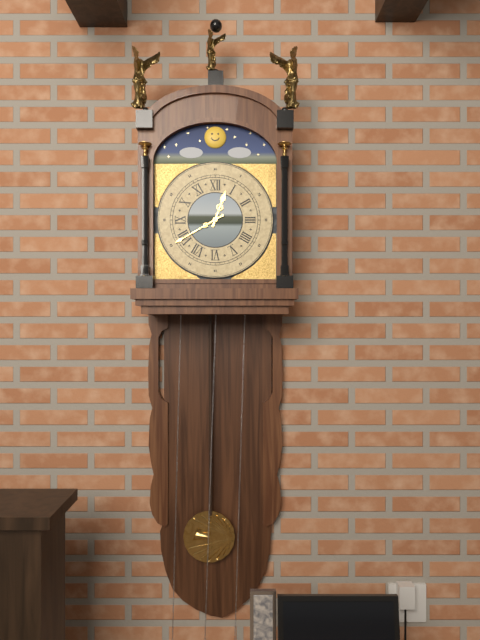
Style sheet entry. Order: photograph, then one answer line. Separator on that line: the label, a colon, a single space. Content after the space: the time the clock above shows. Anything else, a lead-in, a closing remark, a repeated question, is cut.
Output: 12:40
